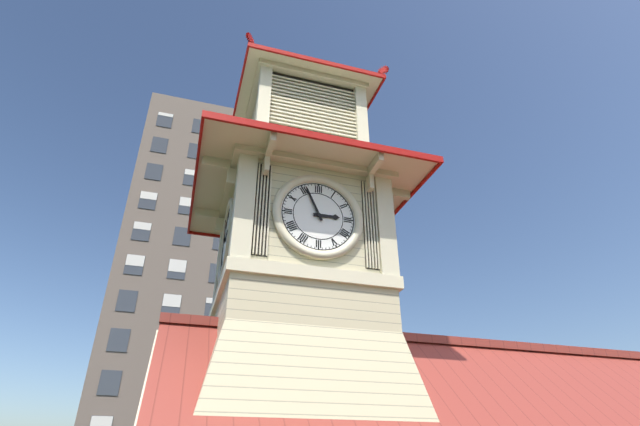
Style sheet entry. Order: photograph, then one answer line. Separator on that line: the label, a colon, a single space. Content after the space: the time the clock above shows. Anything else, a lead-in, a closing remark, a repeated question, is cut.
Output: 2:56
